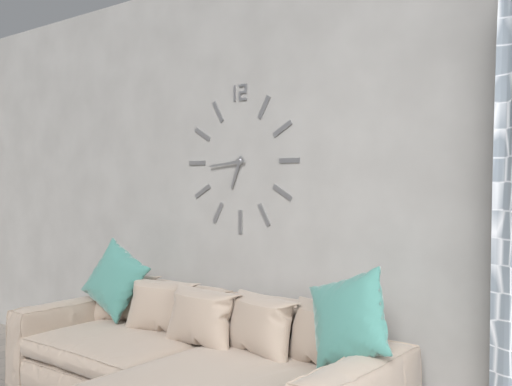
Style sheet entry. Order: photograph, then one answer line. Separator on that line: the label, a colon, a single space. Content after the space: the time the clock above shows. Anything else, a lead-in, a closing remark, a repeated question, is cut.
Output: 6:44
